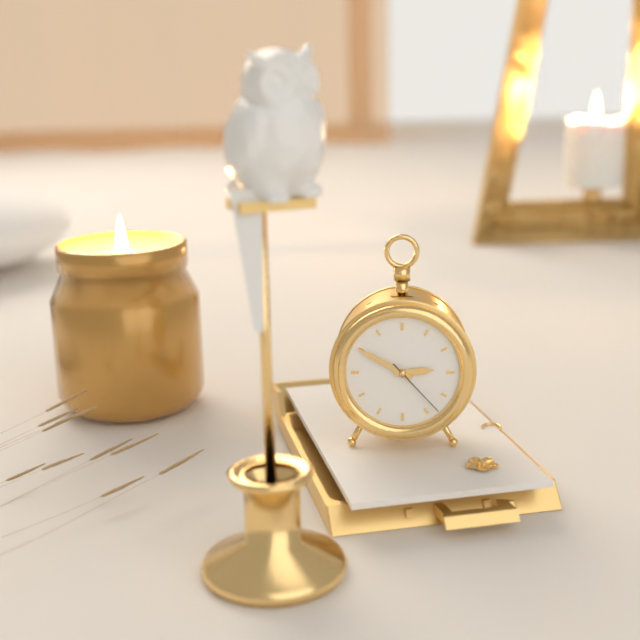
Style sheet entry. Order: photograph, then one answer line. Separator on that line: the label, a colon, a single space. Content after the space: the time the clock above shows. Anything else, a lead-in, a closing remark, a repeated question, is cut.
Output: 2:50:23
